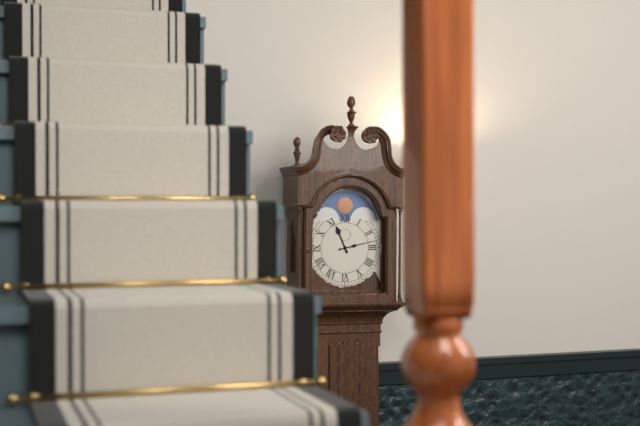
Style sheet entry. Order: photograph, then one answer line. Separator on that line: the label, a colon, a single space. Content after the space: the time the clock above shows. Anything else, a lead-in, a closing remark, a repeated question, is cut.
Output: 11:13
